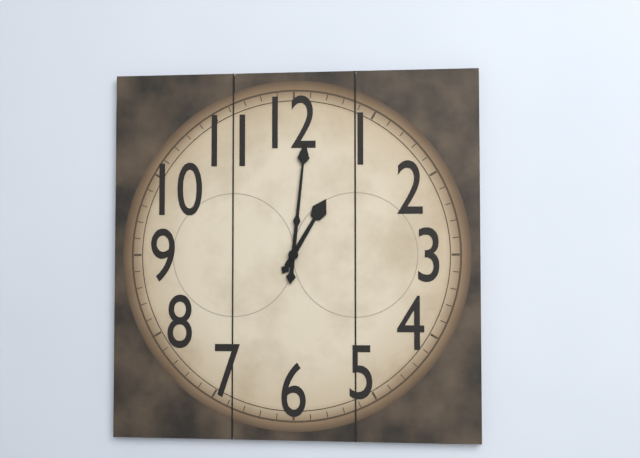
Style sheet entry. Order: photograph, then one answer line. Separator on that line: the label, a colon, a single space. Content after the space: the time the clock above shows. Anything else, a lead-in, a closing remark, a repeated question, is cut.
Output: 1:01
